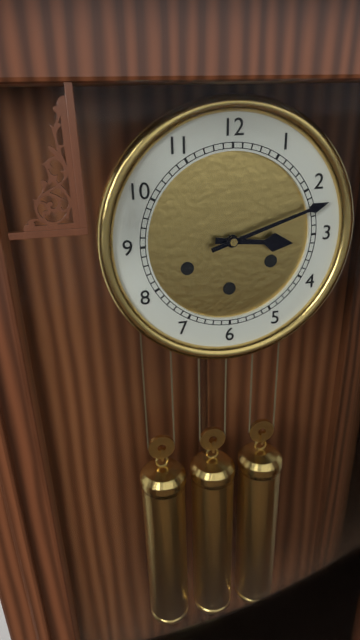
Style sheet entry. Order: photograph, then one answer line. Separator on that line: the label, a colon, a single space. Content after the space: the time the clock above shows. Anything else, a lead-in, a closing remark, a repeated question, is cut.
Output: 3:12
